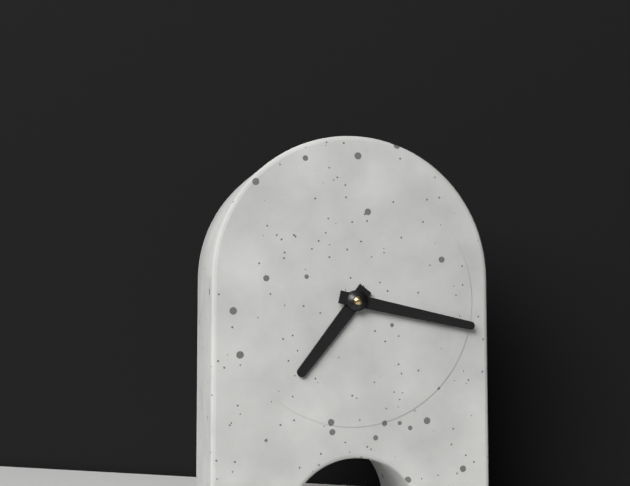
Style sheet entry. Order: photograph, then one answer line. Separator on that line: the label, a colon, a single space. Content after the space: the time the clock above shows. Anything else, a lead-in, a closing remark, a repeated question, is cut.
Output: 7:17
